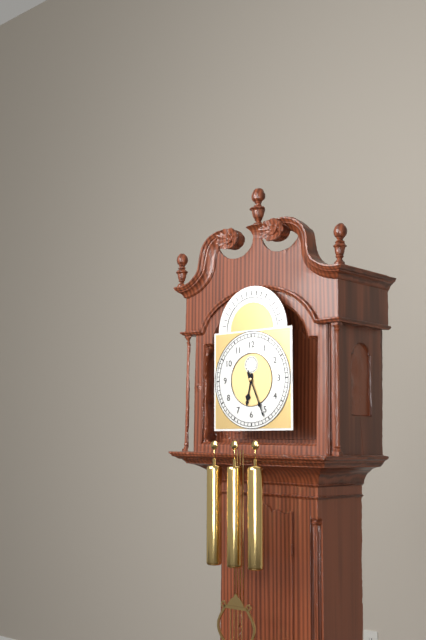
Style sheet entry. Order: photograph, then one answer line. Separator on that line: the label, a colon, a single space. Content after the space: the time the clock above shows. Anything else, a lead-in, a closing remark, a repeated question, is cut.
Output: 6:26
